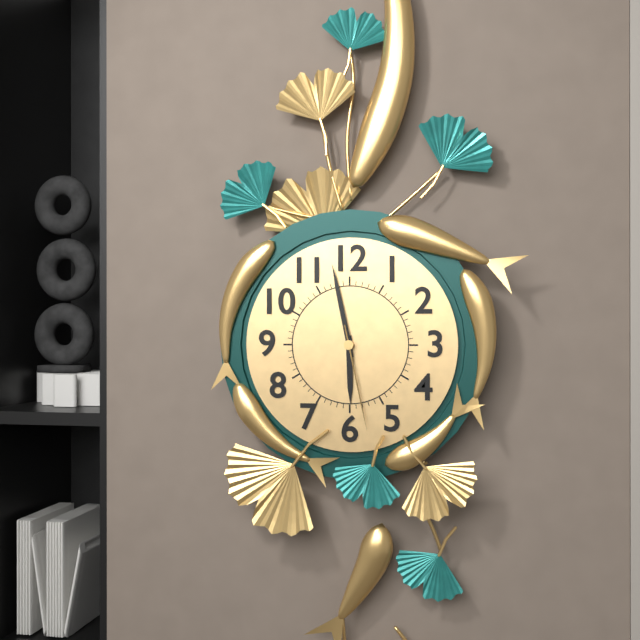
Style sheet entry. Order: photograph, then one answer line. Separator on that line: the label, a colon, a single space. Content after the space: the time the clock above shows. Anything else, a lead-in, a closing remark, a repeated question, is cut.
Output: 5:58:28
